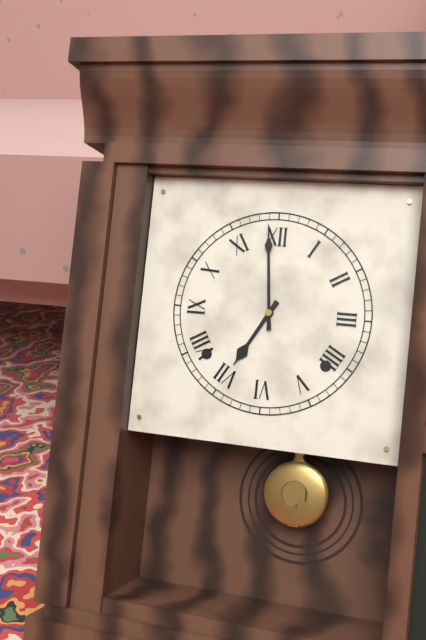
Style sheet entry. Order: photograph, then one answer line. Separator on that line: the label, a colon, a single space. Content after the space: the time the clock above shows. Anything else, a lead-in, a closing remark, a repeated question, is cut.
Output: 6:59
